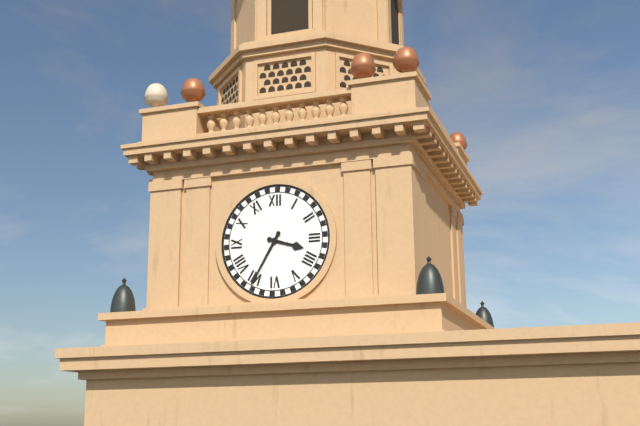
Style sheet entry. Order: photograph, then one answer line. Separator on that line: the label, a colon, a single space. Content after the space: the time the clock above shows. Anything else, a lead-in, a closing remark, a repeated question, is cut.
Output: 3:35
